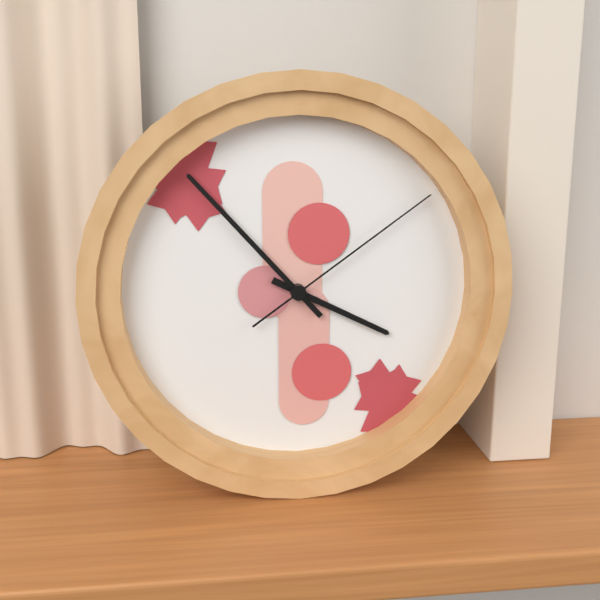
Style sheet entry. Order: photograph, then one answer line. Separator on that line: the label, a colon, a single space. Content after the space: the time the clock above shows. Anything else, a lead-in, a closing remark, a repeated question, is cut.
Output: 3:53:09
